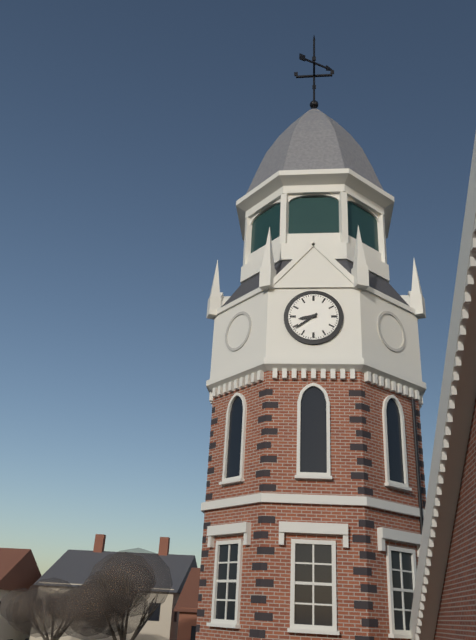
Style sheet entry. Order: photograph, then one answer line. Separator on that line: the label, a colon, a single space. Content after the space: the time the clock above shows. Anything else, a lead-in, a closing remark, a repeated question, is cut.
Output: 8:39
